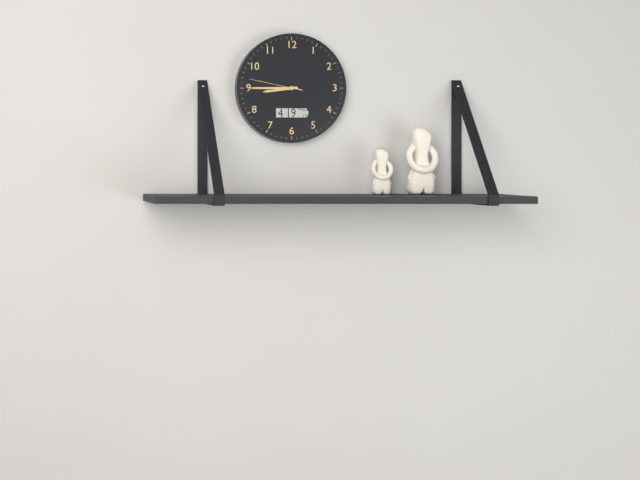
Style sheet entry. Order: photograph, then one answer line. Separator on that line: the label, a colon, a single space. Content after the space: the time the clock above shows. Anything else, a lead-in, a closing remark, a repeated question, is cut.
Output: 8:45:47
